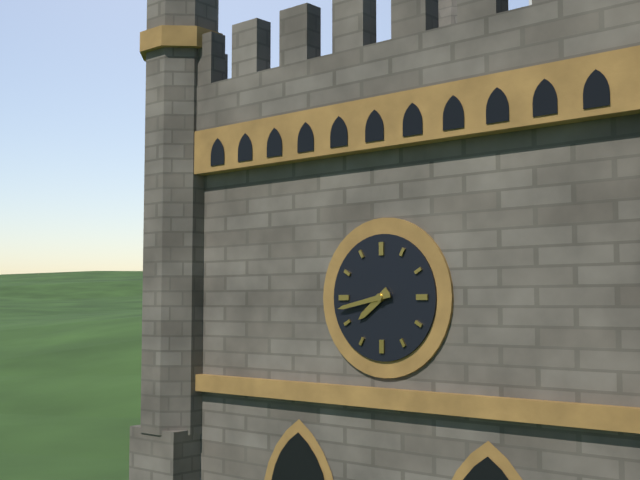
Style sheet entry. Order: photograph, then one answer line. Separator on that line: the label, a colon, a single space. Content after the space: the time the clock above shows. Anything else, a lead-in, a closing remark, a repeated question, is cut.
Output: 7:43
